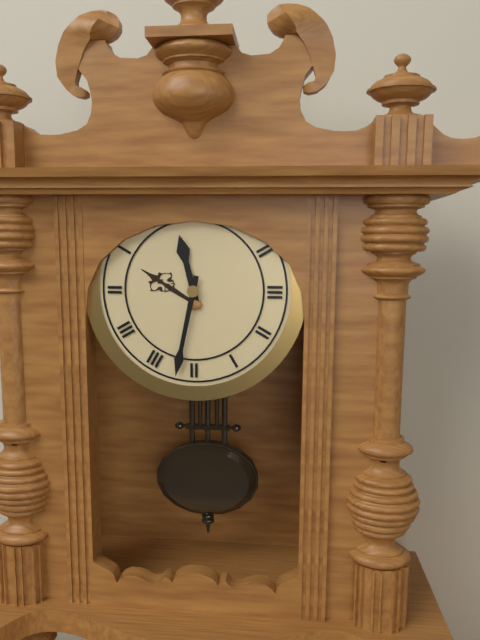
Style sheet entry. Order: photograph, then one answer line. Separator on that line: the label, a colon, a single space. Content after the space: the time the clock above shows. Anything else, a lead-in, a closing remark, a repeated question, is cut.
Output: 11:32
